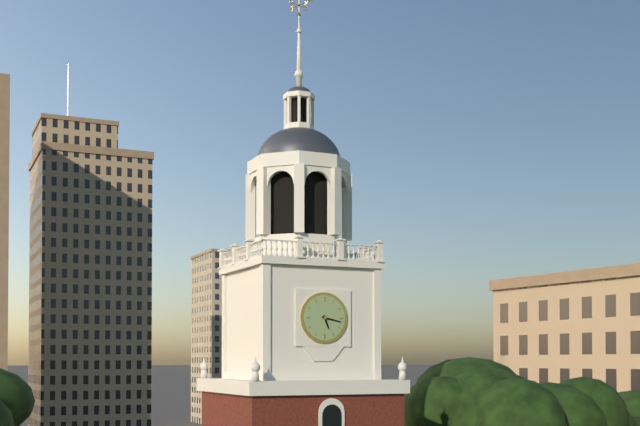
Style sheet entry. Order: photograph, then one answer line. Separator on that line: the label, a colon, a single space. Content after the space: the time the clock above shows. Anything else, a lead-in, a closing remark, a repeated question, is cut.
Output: 5:17
